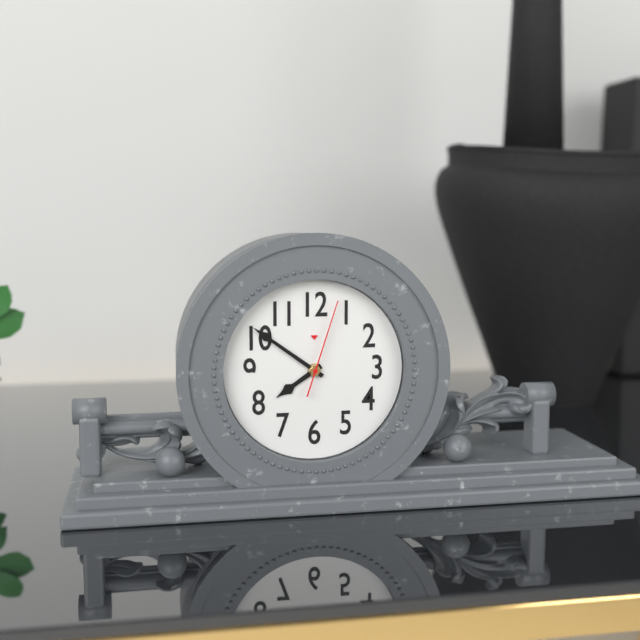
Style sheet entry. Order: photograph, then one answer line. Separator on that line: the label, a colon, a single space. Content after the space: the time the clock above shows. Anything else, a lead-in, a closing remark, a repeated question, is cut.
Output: 7:51:03
